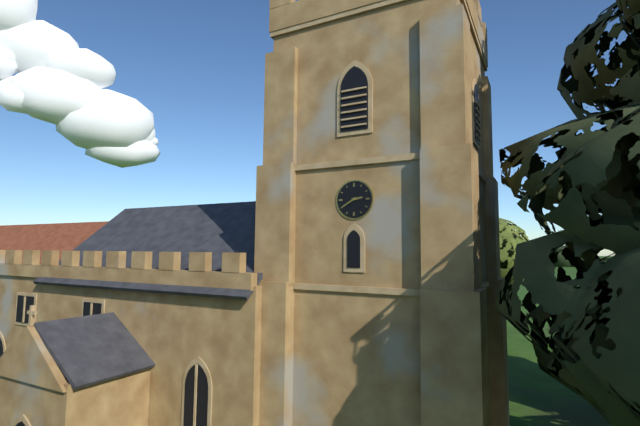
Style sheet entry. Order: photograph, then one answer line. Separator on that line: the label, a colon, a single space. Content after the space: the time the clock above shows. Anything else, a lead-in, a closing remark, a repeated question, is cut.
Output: 2:40
